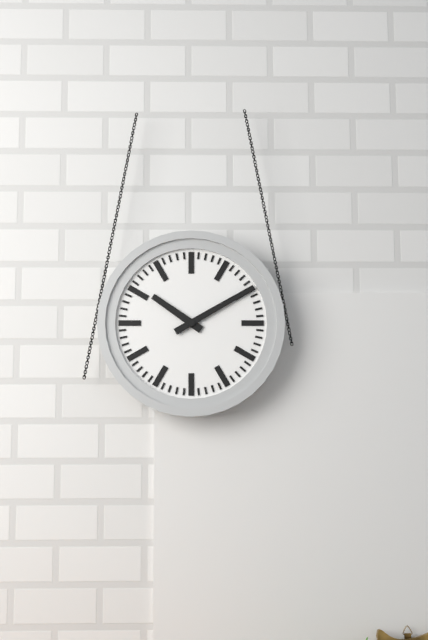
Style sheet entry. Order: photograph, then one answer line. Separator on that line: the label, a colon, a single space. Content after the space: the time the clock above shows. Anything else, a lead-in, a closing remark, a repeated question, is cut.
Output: 10:10
